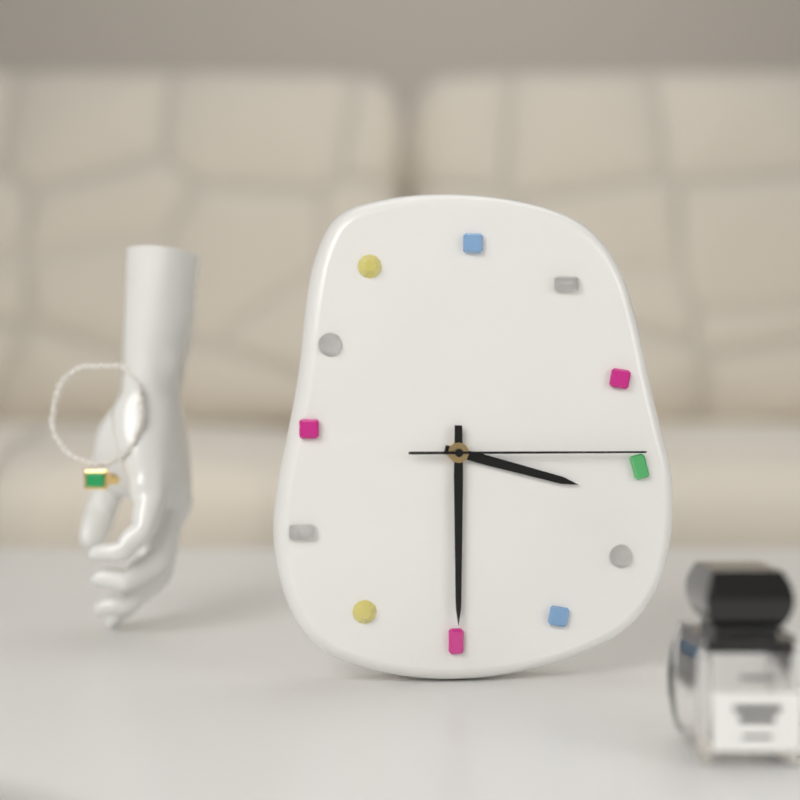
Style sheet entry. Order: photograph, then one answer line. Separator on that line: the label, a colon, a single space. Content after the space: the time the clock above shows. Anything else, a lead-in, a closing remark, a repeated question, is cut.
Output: 3:30:15
